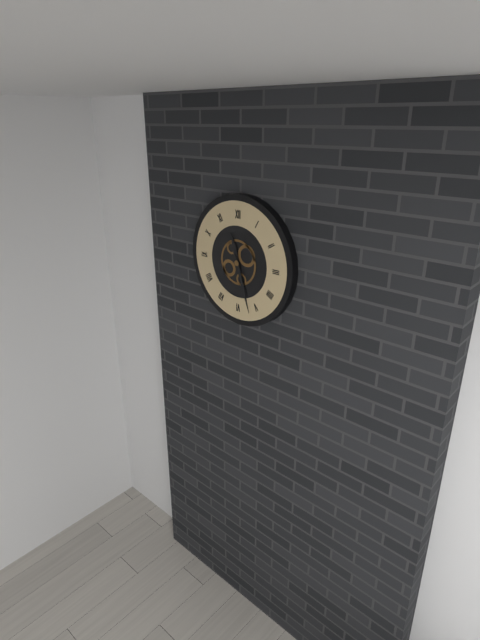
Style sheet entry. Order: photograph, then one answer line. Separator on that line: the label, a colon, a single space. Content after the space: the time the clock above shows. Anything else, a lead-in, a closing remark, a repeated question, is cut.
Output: 11:27
